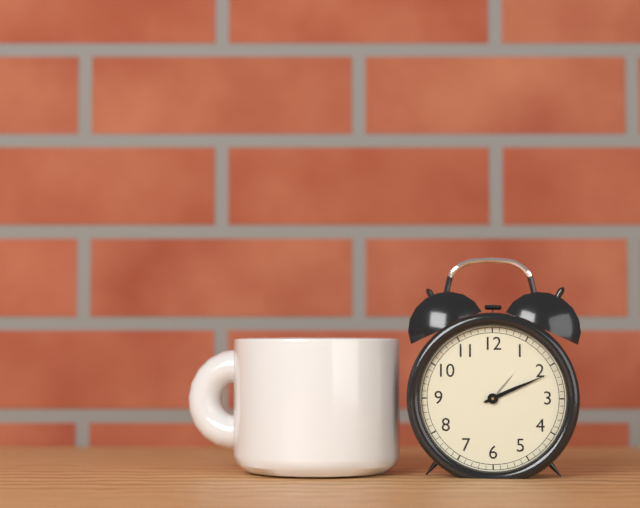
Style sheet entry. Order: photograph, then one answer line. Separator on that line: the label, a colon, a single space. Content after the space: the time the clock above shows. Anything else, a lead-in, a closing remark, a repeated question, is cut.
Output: 2:11
